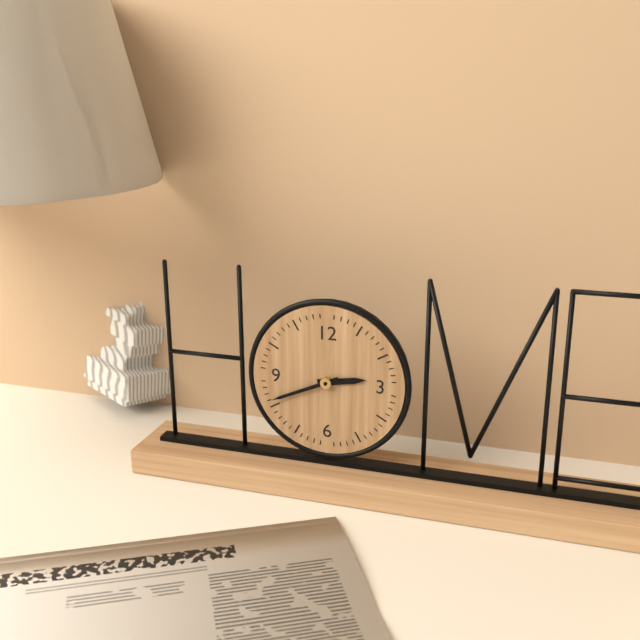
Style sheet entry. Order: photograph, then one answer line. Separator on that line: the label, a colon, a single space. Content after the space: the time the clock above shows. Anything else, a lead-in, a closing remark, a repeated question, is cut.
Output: 2:41
